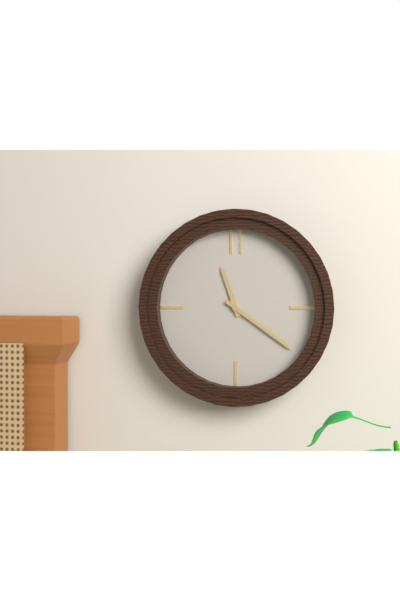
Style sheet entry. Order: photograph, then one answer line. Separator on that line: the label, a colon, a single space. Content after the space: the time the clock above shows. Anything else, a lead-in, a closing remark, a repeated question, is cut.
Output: 11:21
